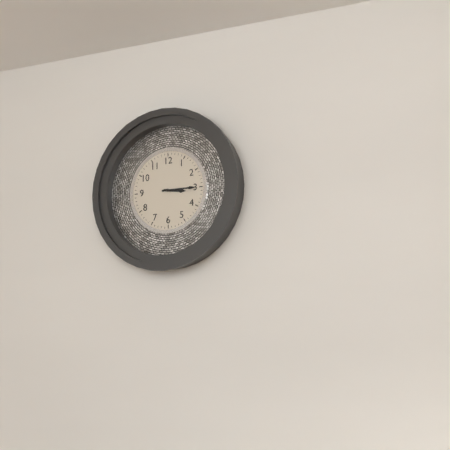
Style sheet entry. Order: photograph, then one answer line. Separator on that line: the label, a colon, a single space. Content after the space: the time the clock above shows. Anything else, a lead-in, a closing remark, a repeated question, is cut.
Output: 3:15
